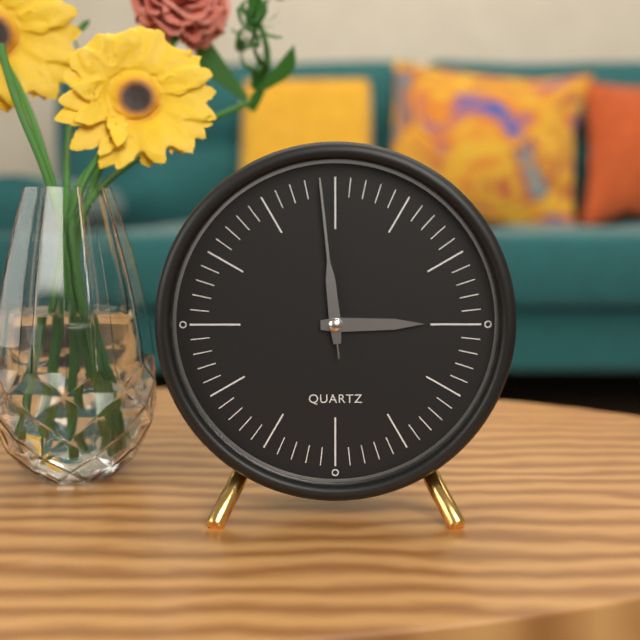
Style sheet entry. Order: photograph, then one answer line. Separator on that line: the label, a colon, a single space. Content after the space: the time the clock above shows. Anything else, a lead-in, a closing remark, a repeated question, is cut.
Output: 2:59:59
